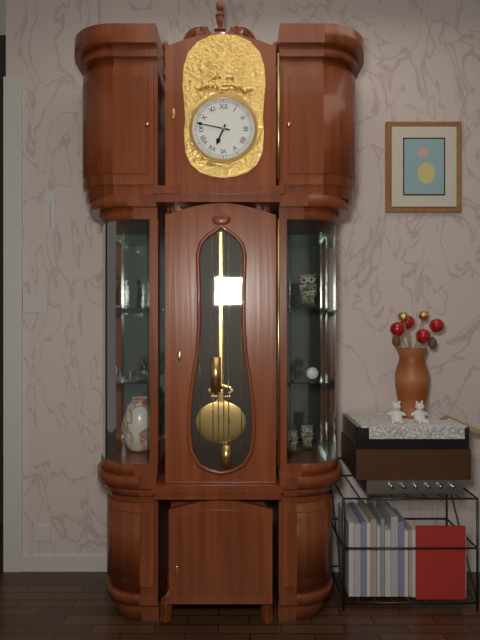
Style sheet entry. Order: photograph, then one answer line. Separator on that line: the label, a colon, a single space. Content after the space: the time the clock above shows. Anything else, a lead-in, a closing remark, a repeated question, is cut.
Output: 6:47
